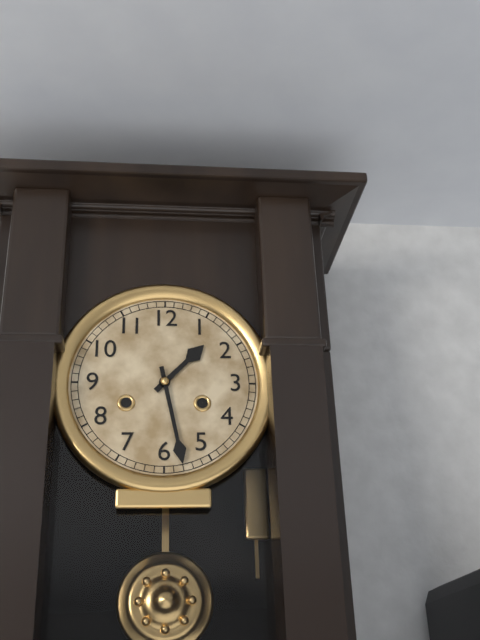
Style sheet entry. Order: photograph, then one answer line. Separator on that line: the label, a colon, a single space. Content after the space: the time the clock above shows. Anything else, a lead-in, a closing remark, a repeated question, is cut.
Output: 1:28
